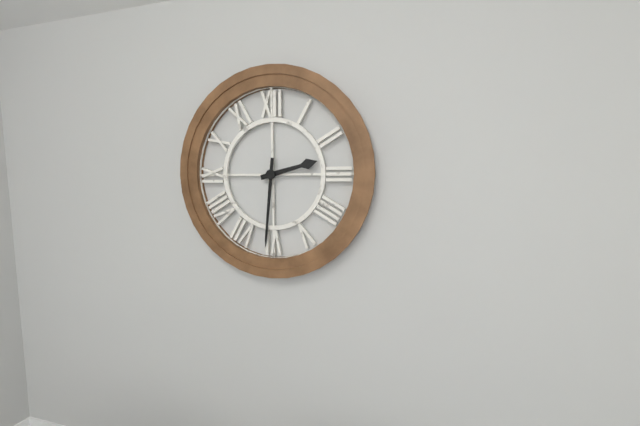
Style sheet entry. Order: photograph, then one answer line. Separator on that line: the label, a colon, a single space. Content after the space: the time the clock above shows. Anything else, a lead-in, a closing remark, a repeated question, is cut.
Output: 2:31
